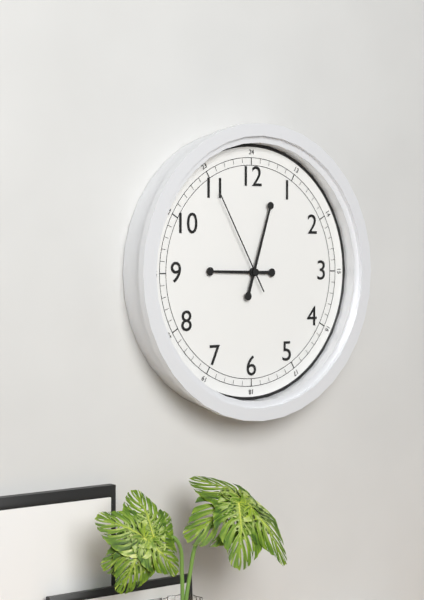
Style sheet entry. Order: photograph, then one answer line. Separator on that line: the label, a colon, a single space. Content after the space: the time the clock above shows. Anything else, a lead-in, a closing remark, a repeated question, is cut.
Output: 9:03:55
